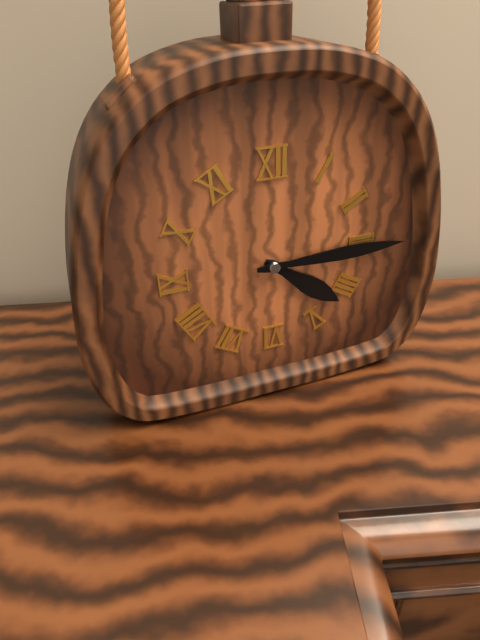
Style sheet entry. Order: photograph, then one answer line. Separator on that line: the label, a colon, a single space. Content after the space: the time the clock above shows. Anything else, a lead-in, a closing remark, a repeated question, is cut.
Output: 4:15
